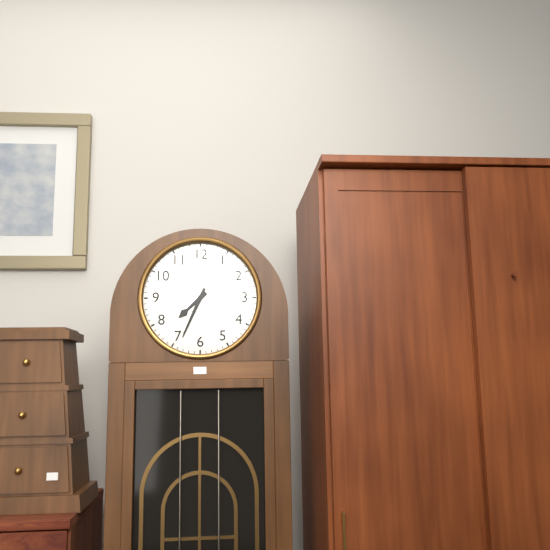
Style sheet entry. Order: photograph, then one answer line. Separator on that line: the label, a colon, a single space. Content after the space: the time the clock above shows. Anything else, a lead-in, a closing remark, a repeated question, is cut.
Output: 7:34
